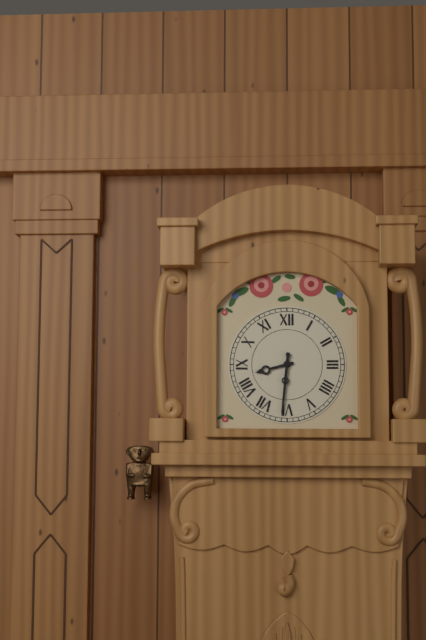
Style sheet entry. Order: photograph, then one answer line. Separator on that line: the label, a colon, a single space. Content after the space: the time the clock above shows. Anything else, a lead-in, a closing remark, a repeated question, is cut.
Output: 8:31
